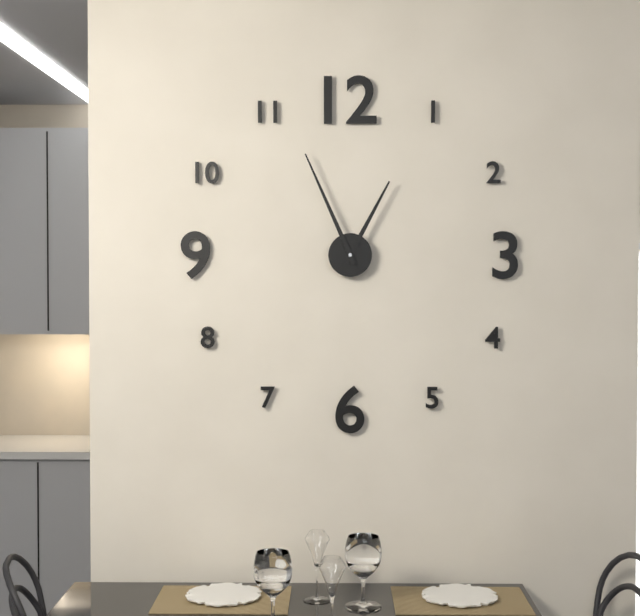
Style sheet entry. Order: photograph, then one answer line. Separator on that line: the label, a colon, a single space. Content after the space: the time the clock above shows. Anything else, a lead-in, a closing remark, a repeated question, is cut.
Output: 12:56
